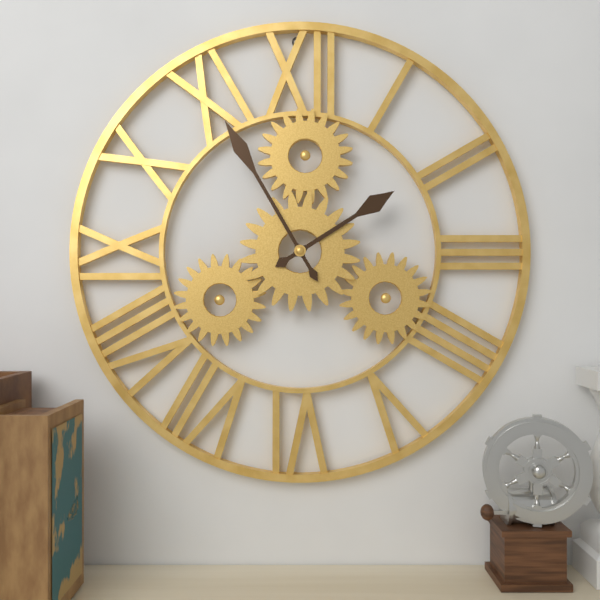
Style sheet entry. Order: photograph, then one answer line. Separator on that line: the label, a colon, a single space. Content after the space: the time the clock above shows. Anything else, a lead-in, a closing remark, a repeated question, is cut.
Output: 1:55
